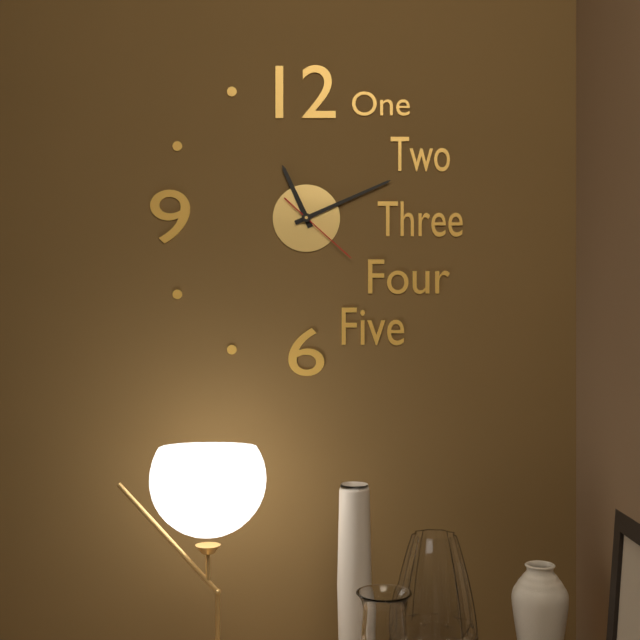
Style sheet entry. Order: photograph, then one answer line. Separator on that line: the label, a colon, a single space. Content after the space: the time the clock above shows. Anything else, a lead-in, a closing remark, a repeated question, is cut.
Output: 11:11:22
